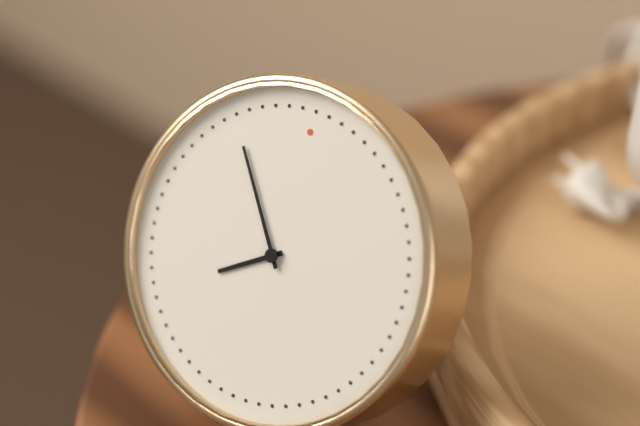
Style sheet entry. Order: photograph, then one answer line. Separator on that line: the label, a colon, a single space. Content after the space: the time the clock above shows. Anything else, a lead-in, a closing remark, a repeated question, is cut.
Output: 7:54
